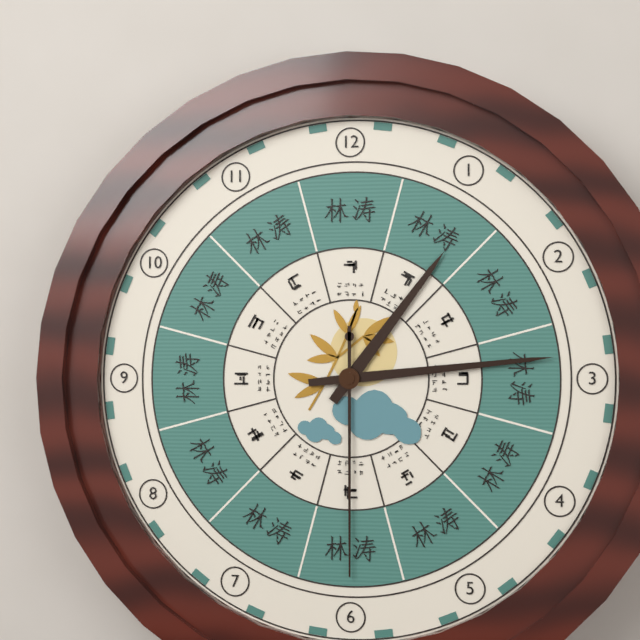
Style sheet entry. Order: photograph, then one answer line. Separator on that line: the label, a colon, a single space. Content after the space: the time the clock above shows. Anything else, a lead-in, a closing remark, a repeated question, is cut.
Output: 1:14:30
